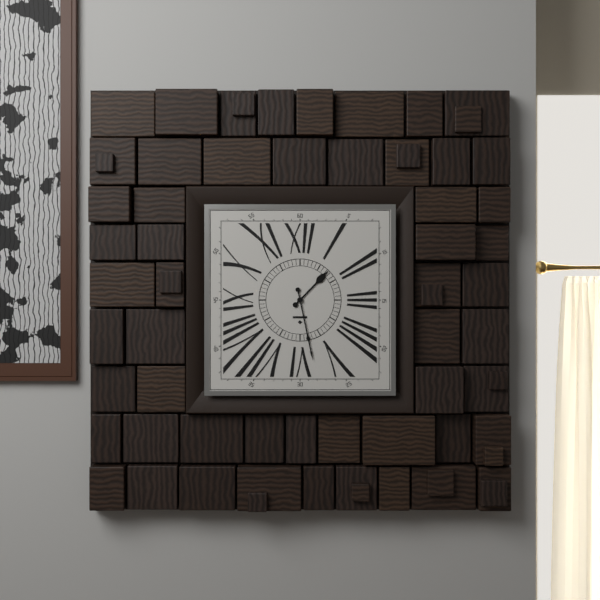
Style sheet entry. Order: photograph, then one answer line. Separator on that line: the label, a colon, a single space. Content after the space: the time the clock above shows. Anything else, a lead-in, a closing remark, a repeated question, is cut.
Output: 1:28
